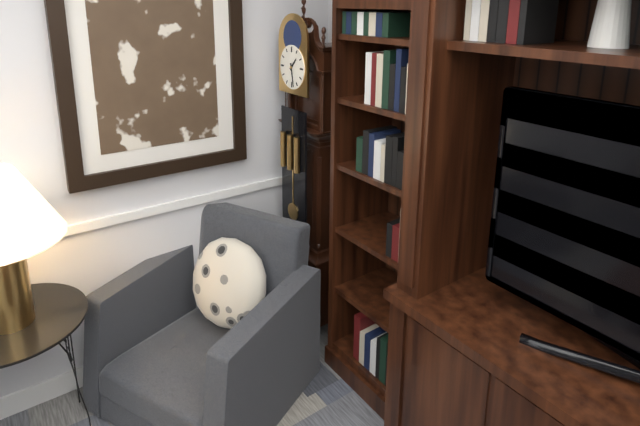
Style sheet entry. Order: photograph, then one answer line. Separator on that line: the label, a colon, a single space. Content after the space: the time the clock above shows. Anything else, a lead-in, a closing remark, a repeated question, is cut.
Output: 1:28
